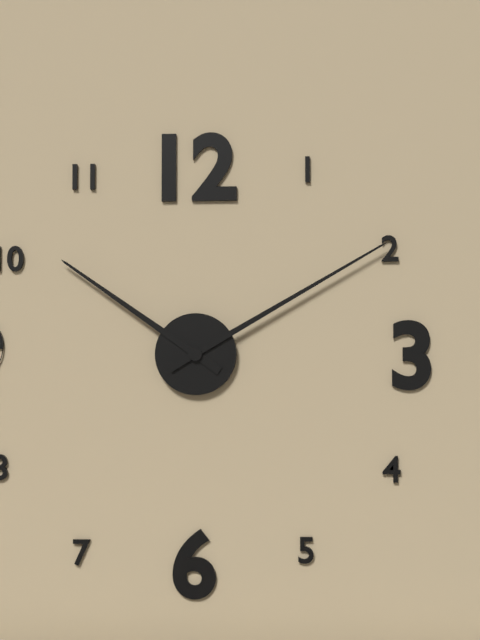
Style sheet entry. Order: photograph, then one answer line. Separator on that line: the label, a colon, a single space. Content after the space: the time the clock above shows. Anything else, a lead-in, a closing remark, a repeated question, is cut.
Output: 10:10
